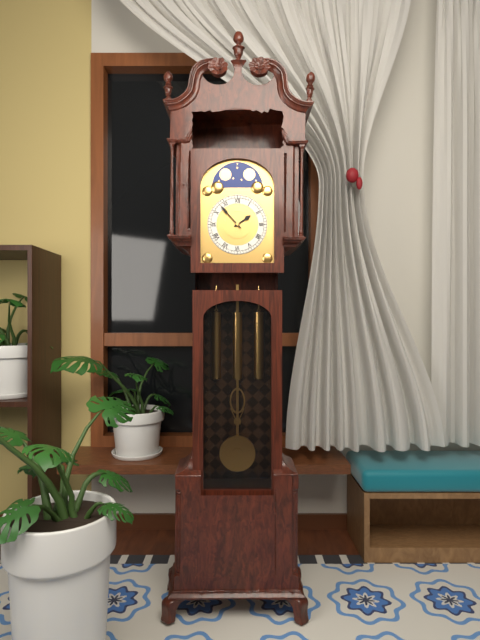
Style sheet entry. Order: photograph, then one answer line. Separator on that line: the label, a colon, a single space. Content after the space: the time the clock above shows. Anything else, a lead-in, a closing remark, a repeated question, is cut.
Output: 1:53
